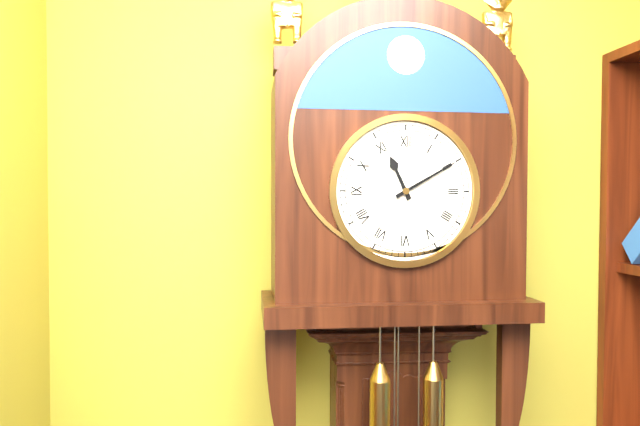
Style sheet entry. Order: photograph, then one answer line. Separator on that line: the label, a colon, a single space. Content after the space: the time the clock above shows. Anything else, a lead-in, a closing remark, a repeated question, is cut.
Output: 11:10
